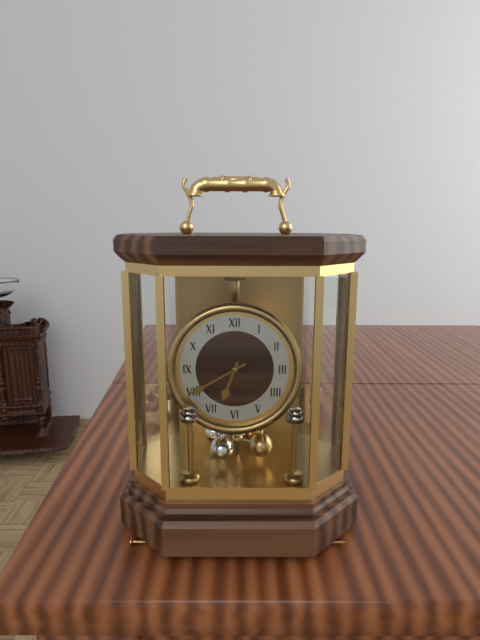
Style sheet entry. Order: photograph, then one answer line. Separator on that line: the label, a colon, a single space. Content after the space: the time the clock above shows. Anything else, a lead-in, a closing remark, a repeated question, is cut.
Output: 6:40
